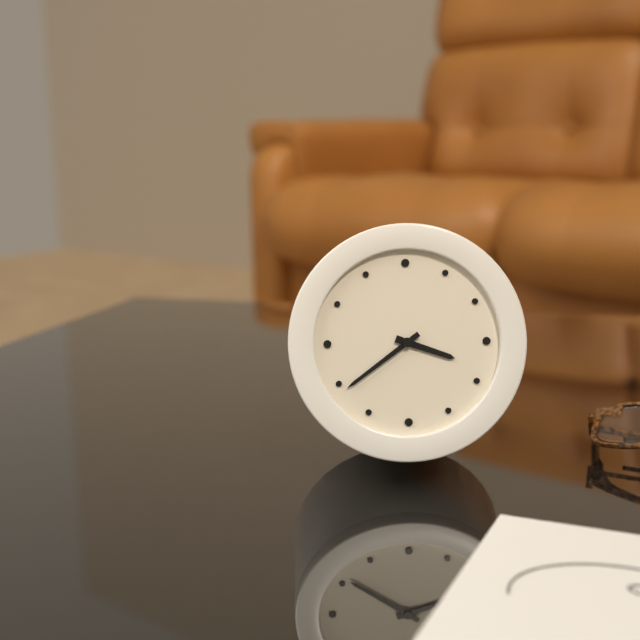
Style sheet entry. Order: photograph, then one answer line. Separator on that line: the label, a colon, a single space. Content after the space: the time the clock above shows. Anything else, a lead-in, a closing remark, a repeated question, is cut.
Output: 3:39
